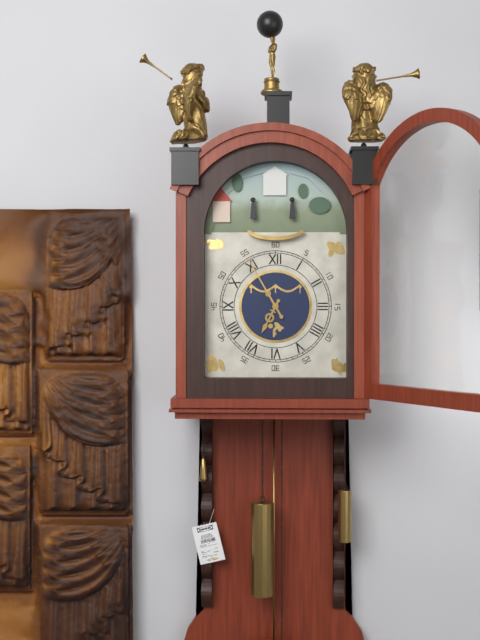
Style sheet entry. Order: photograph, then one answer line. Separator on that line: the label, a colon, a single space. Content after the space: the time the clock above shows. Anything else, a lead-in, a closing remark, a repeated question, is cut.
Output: 6:55
